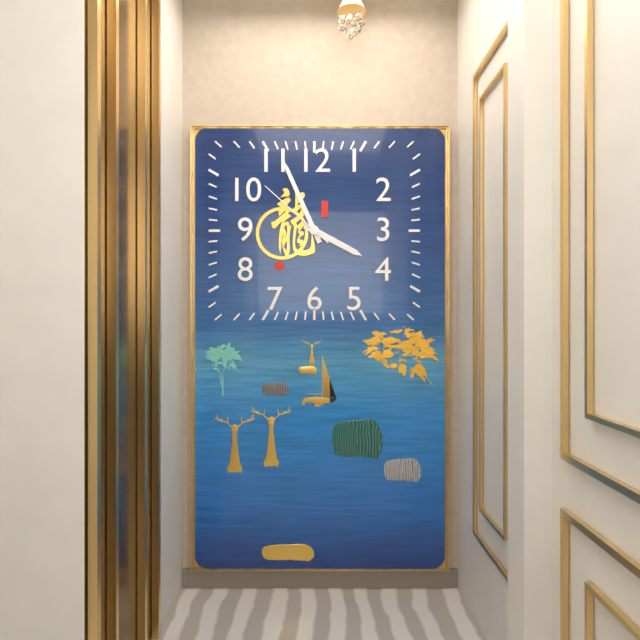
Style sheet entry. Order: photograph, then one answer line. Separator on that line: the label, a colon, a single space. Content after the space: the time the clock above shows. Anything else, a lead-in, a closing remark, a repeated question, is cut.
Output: 3:56:52
